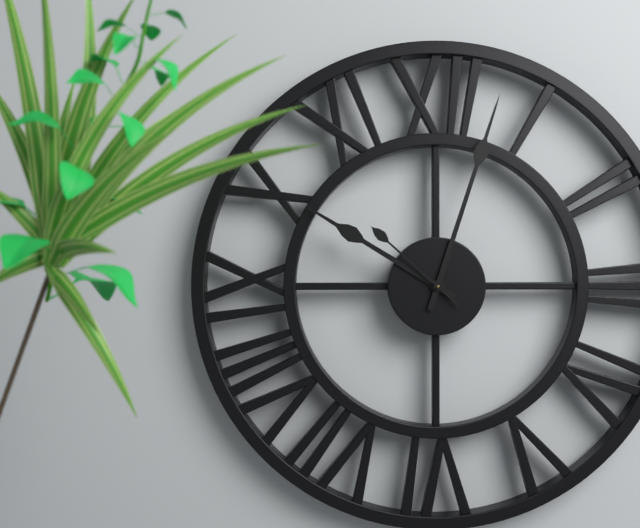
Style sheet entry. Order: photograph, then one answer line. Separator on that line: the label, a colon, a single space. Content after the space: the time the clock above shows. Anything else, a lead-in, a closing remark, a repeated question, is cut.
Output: 10:03:52
